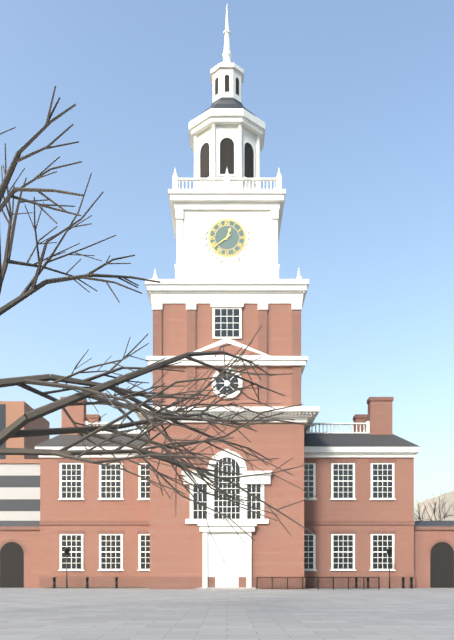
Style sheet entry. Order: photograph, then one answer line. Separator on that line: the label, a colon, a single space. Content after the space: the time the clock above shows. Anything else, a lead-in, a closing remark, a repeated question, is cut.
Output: 12:39
